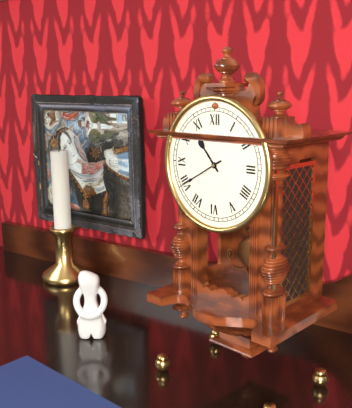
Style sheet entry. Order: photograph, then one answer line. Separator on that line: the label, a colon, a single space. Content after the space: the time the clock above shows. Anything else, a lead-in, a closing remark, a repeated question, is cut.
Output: 10:40
